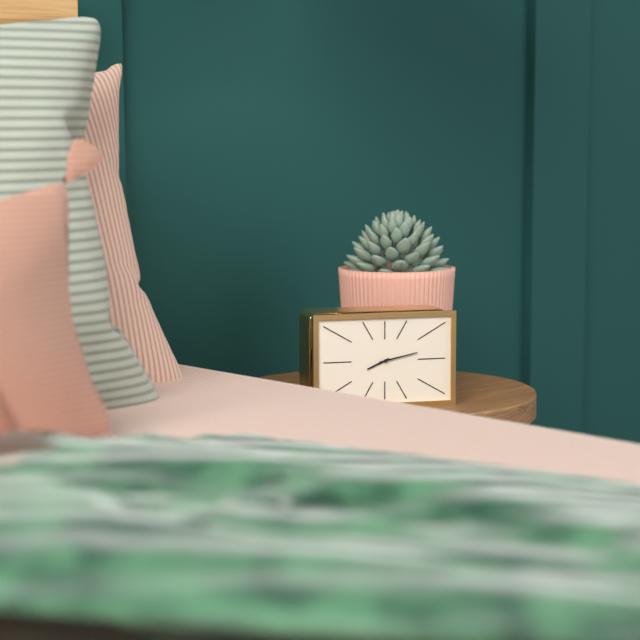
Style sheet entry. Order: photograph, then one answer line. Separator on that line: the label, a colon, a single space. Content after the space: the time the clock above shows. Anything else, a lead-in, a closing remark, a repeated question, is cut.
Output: 8:13
